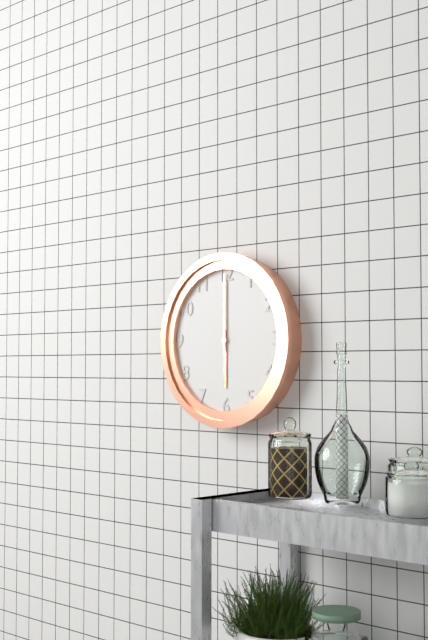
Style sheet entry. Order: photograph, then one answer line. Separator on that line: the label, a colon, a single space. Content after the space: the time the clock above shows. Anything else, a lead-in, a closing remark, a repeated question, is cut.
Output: 6:00
